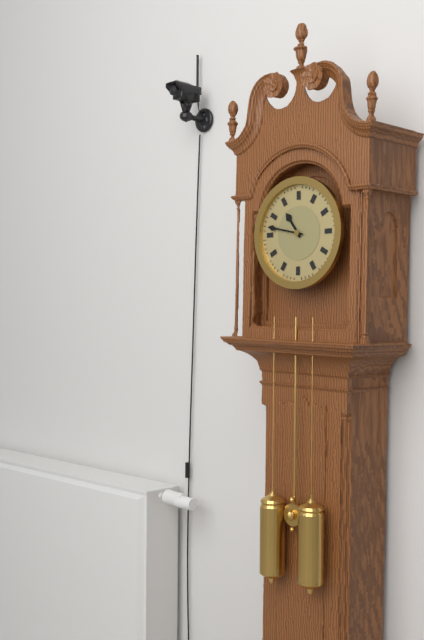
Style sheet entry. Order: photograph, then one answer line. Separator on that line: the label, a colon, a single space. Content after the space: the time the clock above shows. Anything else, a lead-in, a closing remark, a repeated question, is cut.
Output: 10:47
